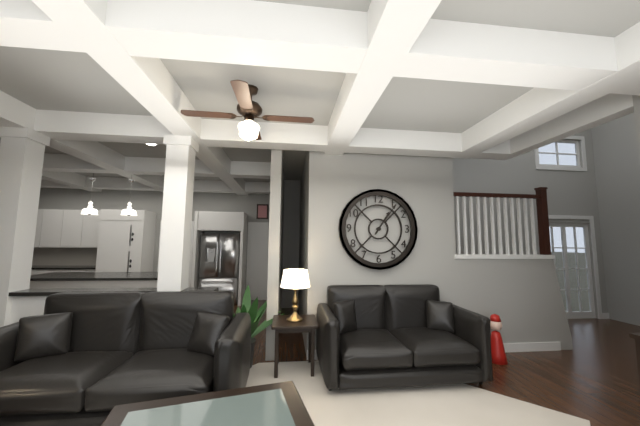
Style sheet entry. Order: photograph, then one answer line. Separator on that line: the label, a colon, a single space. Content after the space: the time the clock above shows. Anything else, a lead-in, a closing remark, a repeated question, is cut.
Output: 1:06
